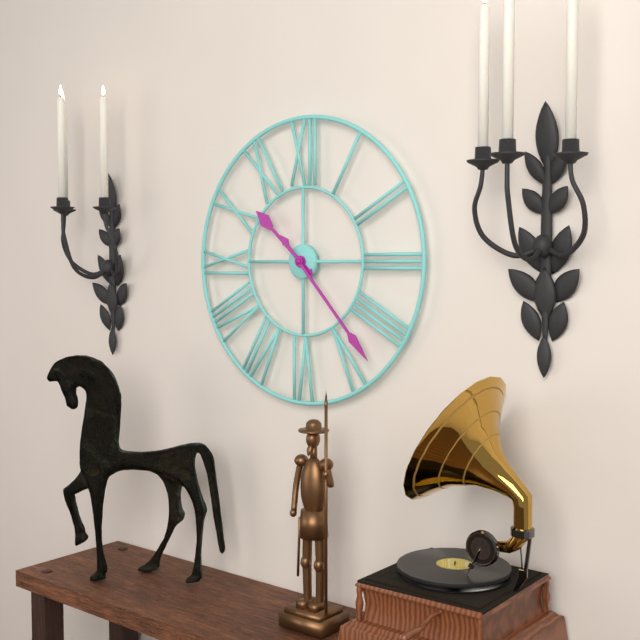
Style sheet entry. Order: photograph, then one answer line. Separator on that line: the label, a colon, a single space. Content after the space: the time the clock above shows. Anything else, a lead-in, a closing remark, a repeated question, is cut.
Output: 10:23
